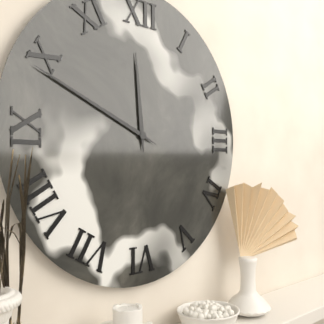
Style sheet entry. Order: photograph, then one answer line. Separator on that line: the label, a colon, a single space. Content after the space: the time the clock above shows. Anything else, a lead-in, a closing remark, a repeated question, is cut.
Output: 11:49
